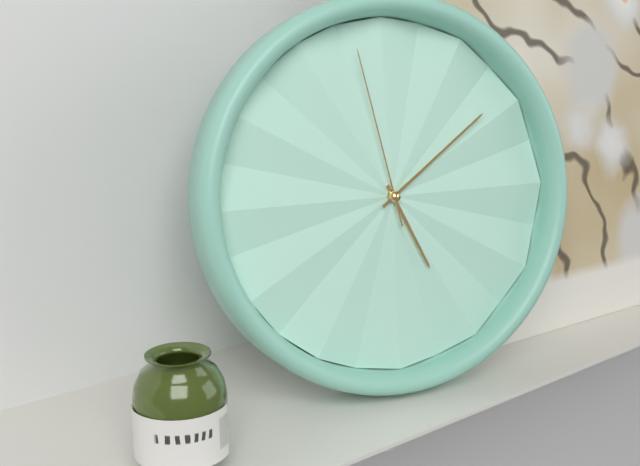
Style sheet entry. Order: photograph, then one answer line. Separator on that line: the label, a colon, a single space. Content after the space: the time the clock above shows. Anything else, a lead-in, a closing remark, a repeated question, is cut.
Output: 5:09:58
